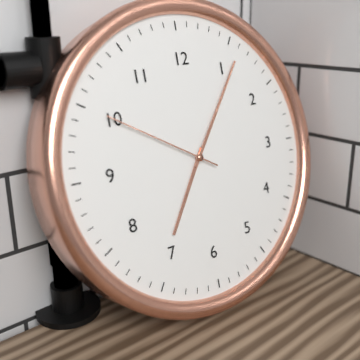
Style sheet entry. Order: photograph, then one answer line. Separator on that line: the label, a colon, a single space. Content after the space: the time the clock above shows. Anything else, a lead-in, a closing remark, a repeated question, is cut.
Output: 7:06:50
